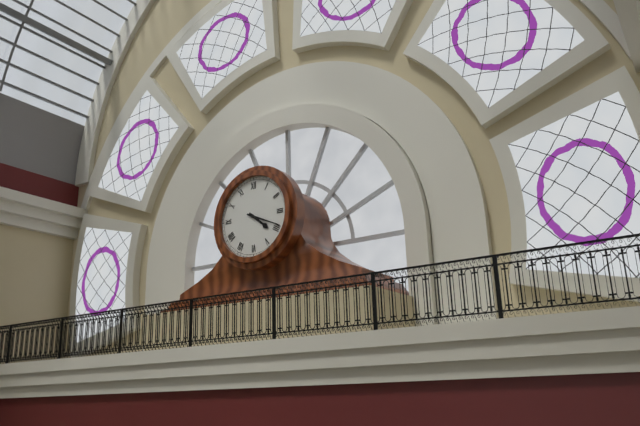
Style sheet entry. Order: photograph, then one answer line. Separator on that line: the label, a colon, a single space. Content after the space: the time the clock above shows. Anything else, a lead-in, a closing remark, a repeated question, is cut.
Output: 4:19
